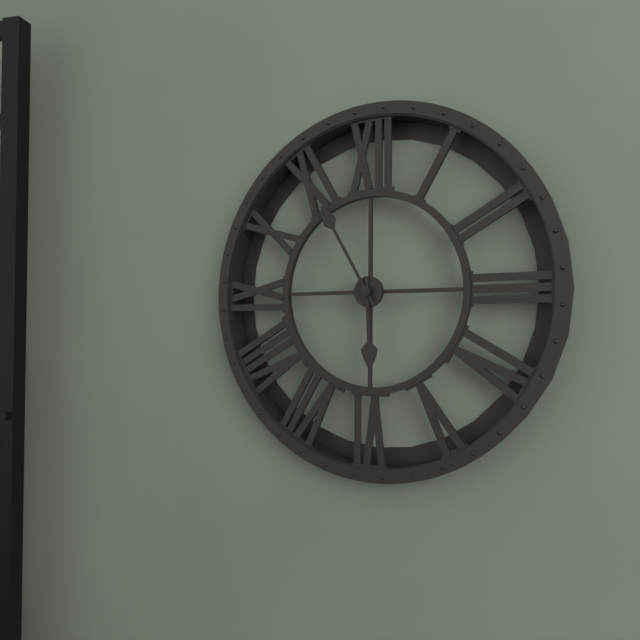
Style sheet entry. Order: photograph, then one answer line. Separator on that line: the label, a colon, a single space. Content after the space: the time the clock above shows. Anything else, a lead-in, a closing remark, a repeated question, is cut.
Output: 5:55
